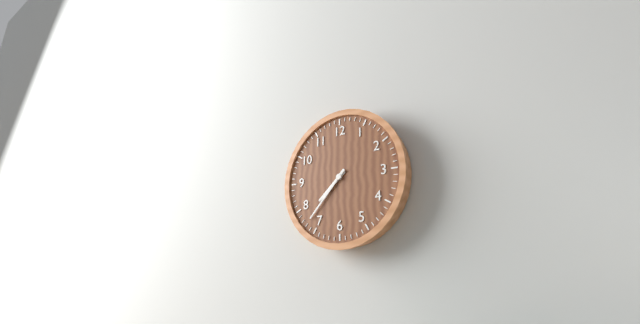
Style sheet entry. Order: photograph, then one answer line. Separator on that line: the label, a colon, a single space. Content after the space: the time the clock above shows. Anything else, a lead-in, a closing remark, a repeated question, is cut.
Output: 7:37
